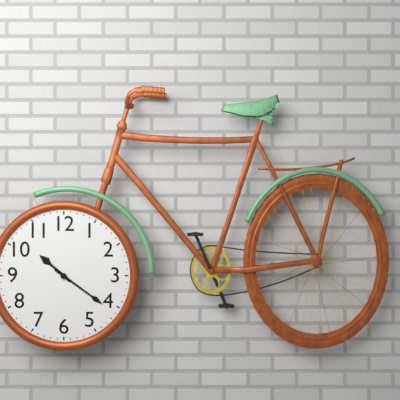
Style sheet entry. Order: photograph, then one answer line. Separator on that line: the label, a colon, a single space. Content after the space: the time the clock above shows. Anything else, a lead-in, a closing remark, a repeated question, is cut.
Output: 10:21
